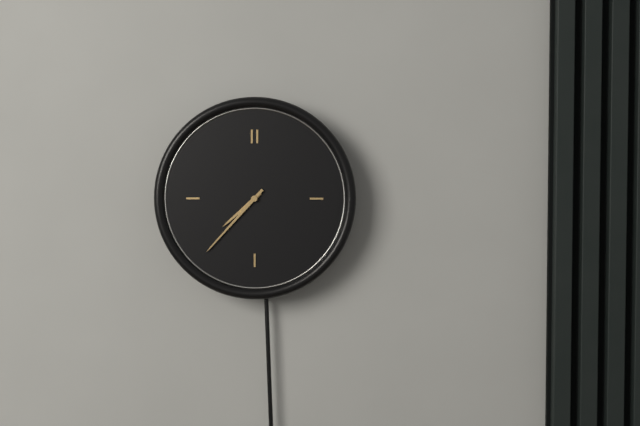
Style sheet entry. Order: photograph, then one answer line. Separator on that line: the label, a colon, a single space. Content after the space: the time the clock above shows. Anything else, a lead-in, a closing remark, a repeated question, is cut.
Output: 7:37
